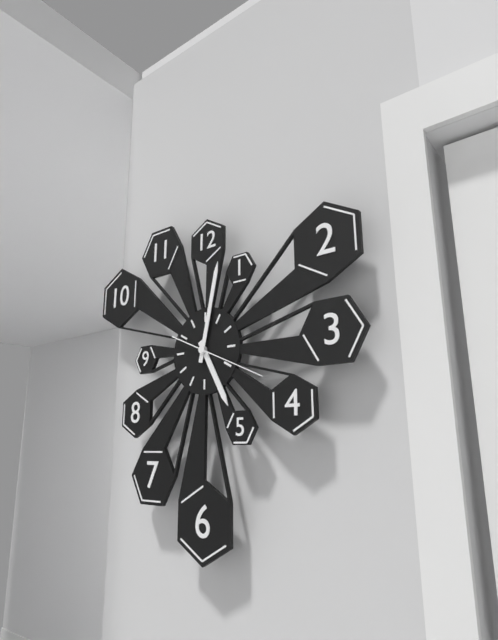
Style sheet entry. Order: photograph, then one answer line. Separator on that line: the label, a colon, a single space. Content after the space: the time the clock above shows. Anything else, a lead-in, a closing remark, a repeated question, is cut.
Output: 5:02:19
